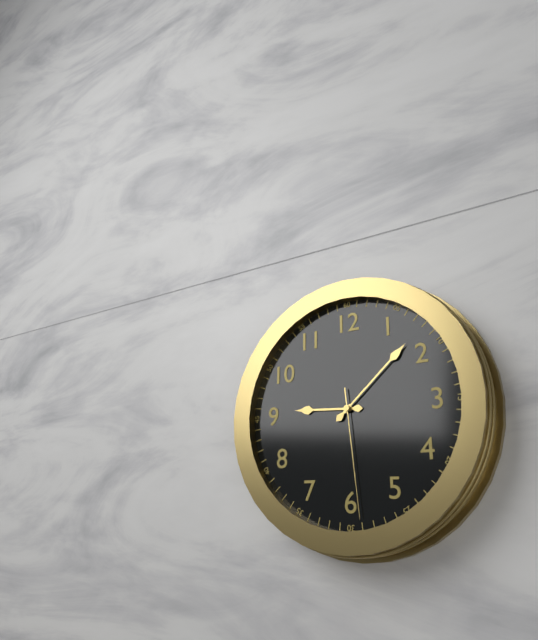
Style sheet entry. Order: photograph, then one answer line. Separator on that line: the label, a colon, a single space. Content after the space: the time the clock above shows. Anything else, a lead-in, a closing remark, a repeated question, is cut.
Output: 9:08:29
